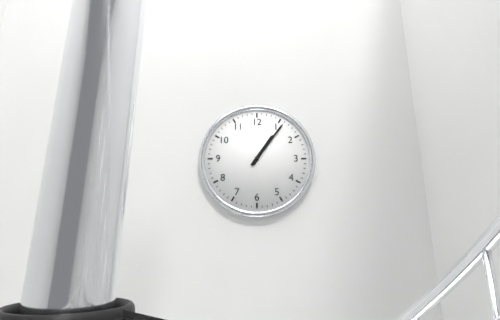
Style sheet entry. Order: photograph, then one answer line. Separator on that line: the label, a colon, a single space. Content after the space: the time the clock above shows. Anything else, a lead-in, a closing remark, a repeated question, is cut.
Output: 1:06
